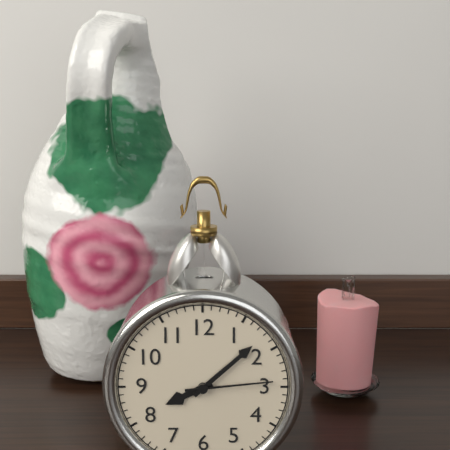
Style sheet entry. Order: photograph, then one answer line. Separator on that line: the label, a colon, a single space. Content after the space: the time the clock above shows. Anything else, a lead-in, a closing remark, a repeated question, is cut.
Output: 8:08:14
